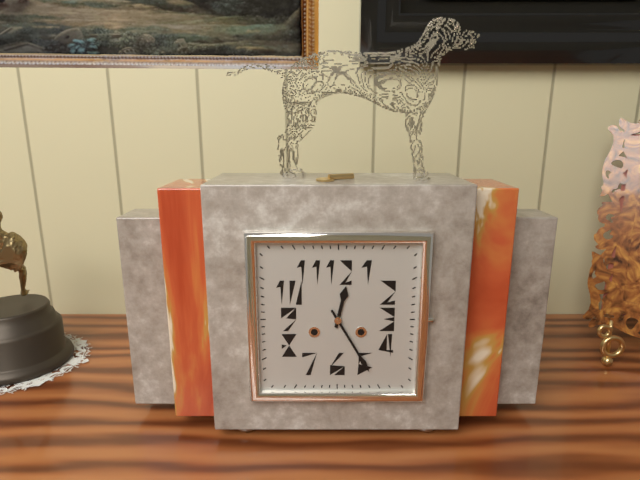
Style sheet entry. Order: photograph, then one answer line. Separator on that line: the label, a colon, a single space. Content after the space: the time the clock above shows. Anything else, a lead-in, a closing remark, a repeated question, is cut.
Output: 12:25
